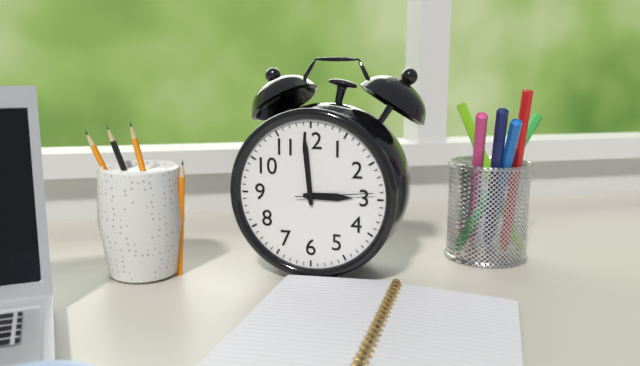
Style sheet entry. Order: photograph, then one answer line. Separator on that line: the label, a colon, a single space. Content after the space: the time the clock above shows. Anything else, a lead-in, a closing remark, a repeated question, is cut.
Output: 2:59:14
